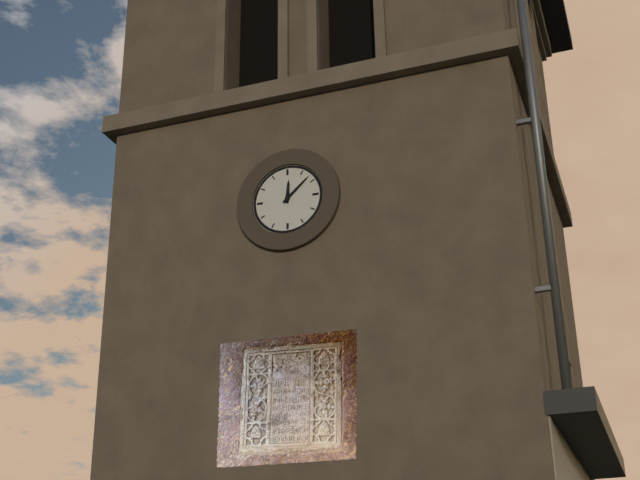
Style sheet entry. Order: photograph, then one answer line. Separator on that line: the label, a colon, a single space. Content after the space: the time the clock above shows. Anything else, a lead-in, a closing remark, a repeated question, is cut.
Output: 12:08
